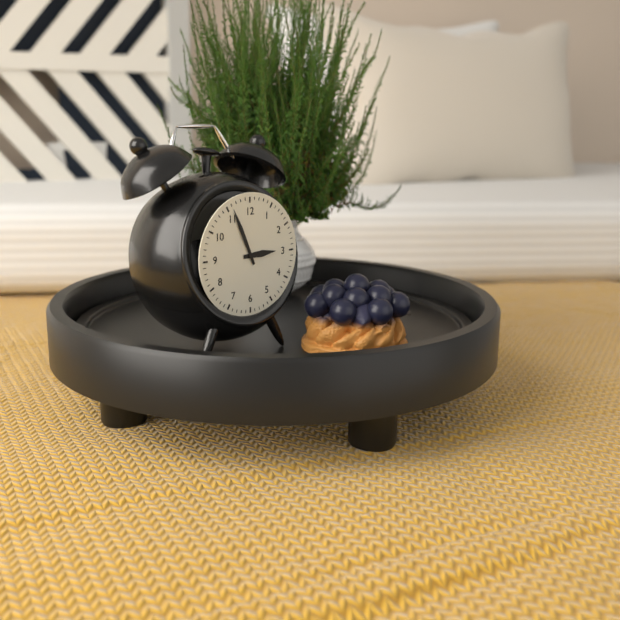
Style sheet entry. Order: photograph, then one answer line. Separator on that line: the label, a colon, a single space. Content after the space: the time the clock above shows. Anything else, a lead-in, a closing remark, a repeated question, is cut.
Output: 2:56
